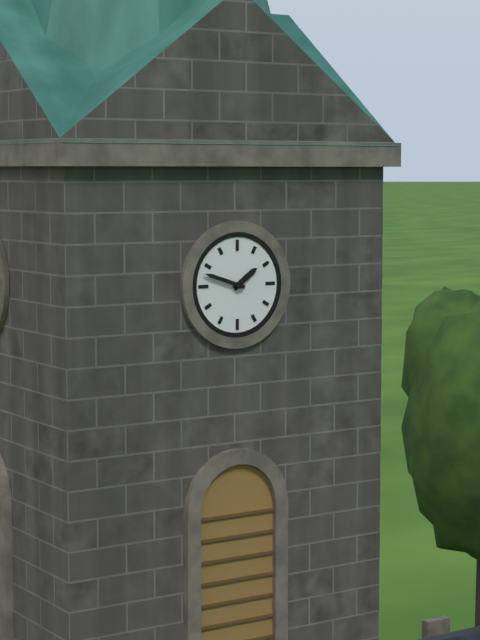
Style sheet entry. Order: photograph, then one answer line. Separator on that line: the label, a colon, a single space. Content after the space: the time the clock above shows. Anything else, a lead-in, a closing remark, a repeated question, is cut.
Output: 1:48
